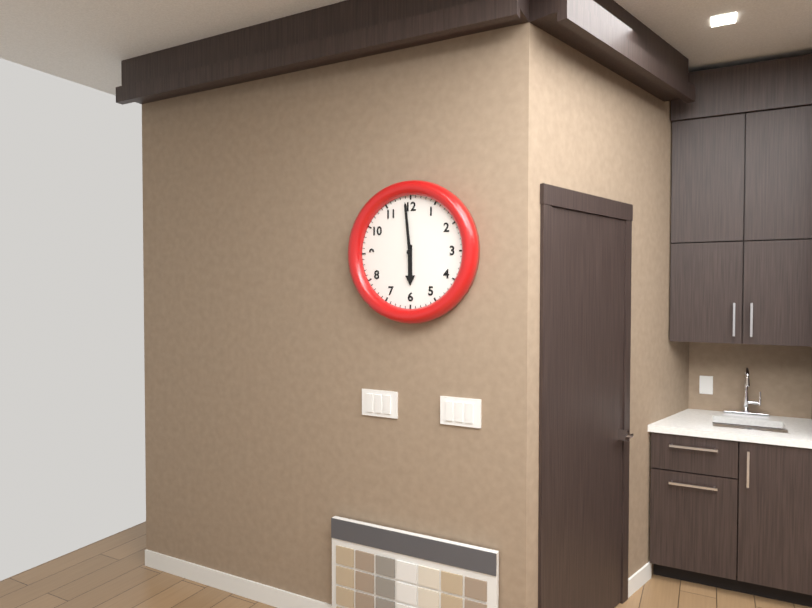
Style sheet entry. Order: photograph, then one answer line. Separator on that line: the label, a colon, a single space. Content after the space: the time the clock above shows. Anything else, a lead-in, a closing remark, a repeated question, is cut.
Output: 5:59
